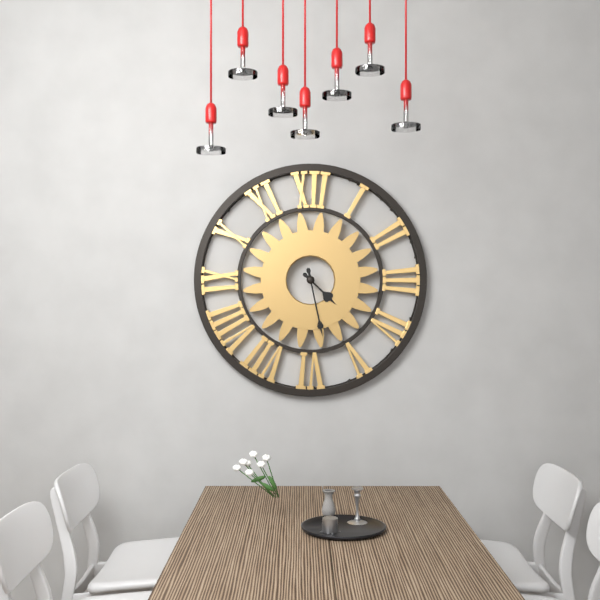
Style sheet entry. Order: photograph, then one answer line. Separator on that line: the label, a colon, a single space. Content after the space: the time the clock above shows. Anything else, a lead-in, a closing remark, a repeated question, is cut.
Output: 4:28
